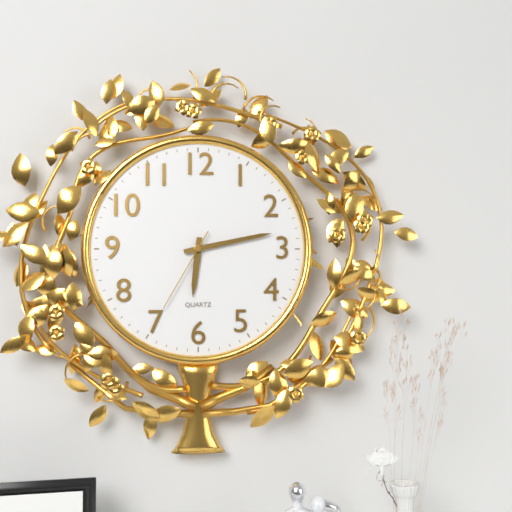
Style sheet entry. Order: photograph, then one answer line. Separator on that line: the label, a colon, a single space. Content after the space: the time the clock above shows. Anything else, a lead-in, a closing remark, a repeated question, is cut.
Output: 6:13:35
